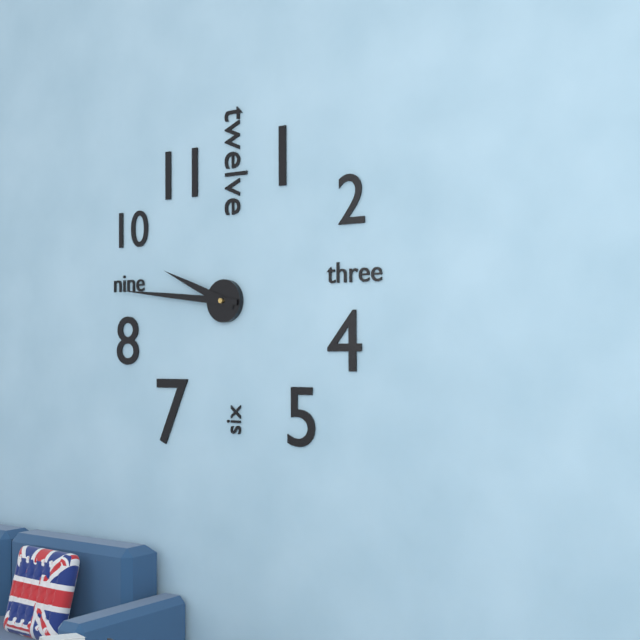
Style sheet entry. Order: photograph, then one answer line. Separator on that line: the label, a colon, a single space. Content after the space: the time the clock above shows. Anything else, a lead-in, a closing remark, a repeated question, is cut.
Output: 9:46
